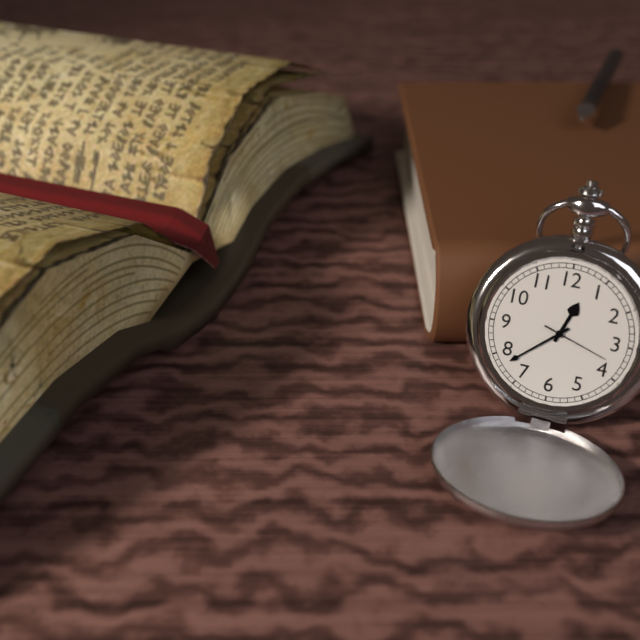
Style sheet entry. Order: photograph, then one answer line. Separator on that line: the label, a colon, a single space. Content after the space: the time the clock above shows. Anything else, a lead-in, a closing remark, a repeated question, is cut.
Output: 12:38:18
